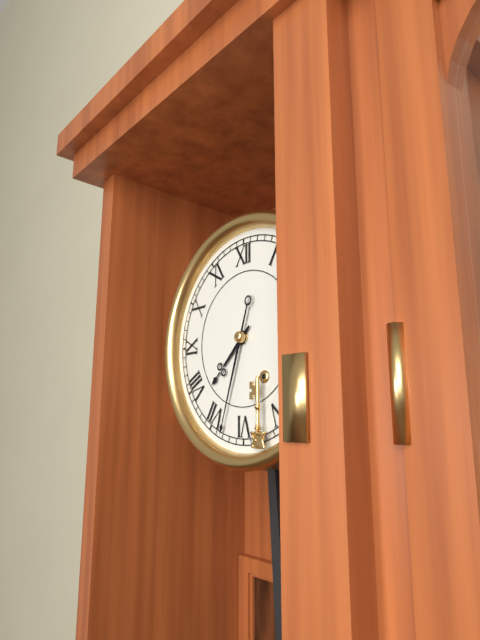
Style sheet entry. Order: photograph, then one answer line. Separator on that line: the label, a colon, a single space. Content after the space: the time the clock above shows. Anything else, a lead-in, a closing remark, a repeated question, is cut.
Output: 7:33
